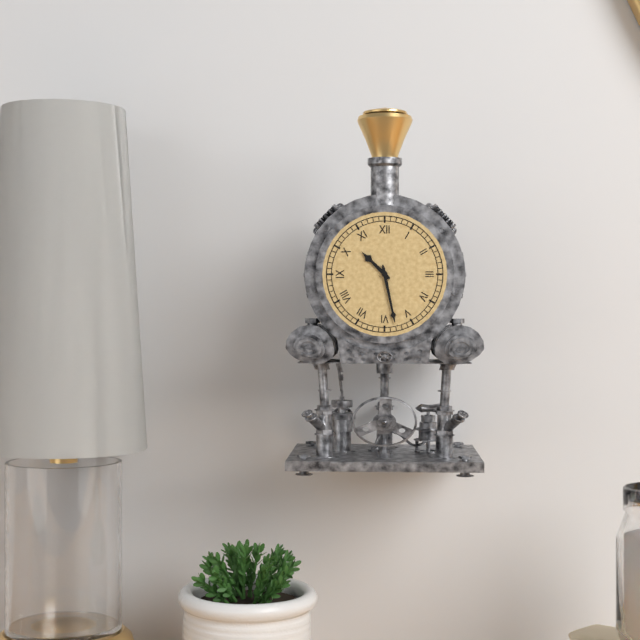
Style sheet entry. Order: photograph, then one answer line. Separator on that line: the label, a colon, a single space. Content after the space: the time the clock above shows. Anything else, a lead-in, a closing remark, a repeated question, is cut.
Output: 10:28
